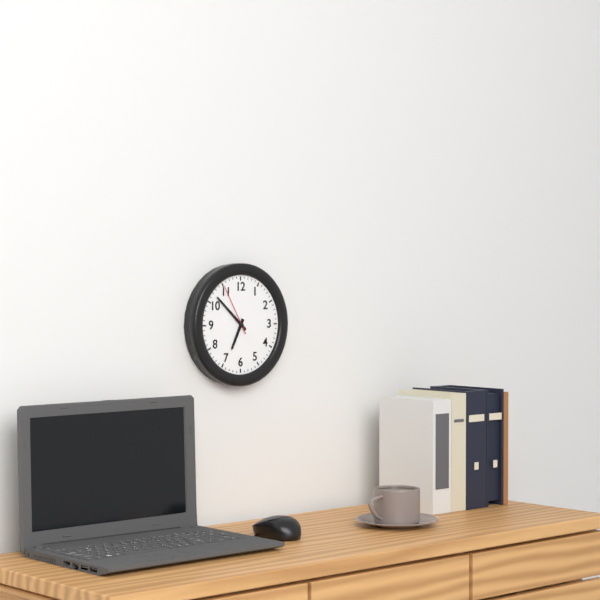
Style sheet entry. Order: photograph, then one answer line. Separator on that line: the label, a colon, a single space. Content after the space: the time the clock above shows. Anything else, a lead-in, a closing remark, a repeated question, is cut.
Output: 6:52:55
